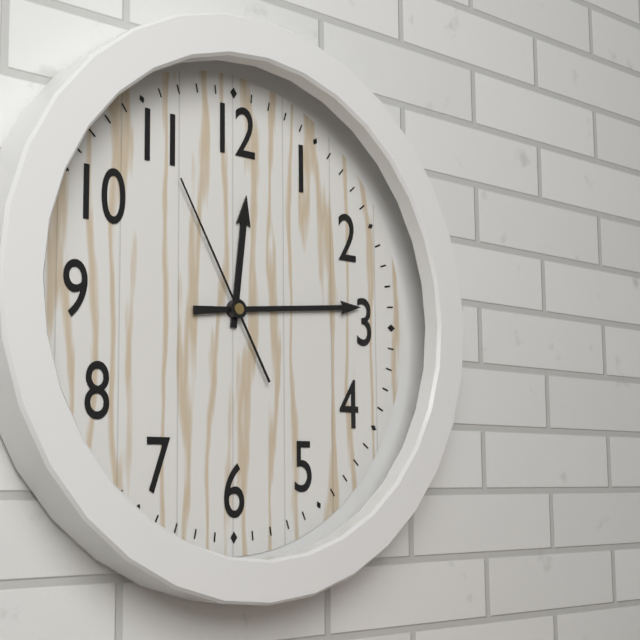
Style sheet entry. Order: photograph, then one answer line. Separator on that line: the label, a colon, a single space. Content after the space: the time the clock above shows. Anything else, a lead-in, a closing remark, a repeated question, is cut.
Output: 12:14:55
